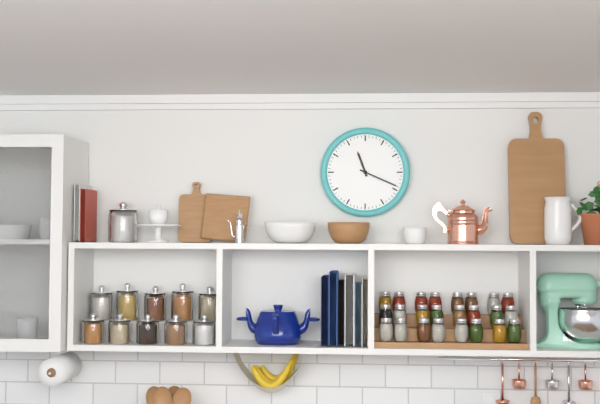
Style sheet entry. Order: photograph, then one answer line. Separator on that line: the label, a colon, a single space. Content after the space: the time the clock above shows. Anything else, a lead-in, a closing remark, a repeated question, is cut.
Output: 11:19
